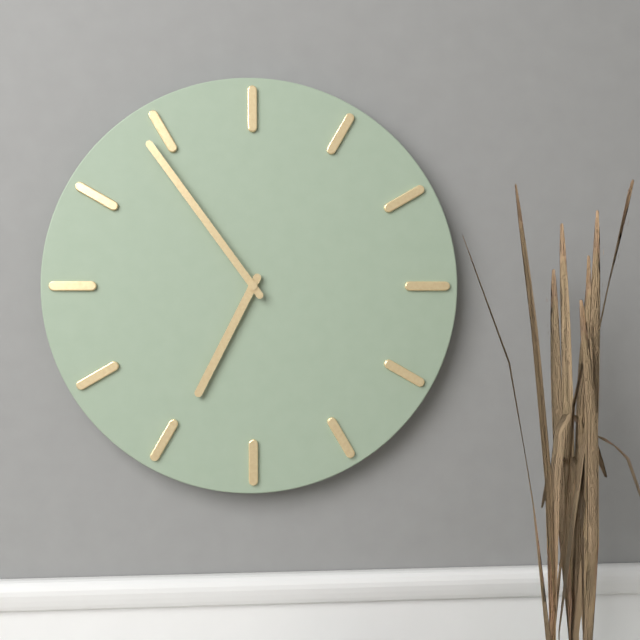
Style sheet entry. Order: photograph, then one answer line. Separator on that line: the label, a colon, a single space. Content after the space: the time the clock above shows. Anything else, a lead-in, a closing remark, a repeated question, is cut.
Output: 6:54
